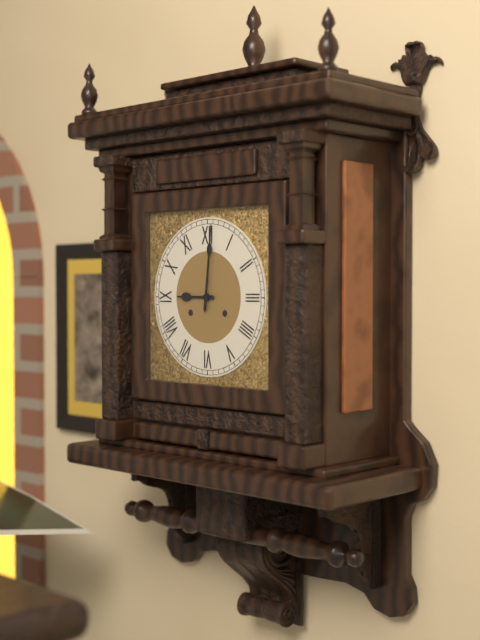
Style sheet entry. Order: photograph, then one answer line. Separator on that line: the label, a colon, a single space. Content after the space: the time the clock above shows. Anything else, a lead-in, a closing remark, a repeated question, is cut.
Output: 9:01
